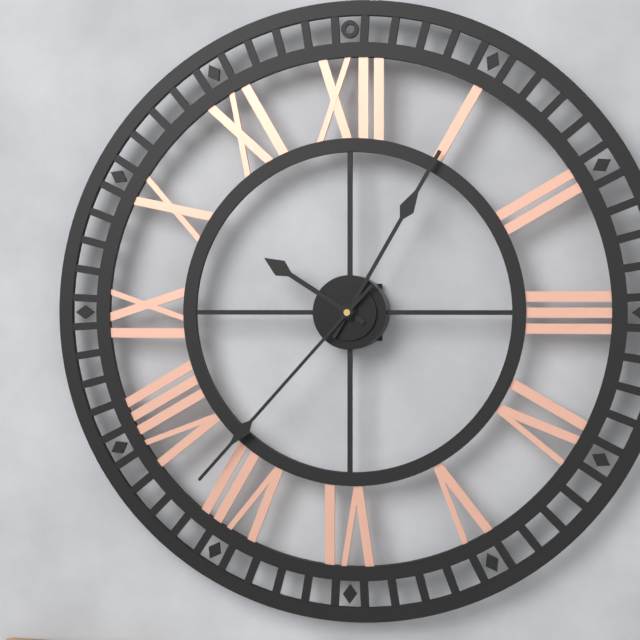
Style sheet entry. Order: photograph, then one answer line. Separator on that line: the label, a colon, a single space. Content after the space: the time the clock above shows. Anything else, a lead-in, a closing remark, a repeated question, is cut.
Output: 10:05:37
